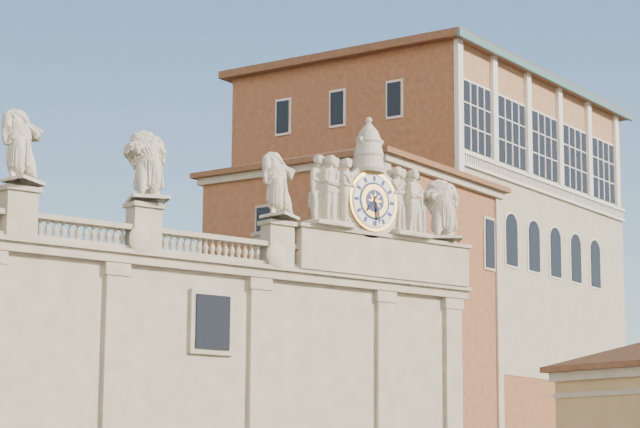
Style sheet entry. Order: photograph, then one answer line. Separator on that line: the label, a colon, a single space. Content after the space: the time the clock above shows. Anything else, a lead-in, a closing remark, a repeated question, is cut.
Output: 7:28
